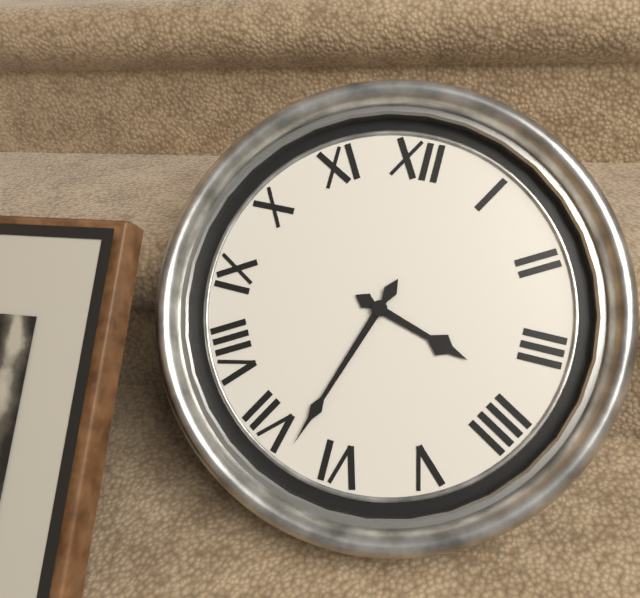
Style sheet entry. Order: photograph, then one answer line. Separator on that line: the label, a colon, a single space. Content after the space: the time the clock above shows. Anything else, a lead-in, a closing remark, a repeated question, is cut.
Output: 3:33
